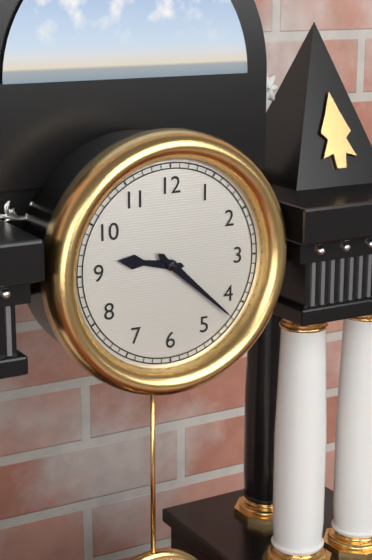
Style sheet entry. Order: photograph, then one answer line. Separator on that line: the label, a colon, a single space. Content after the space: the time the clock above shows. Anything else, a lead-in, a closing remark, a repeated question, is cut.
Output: 9:22
